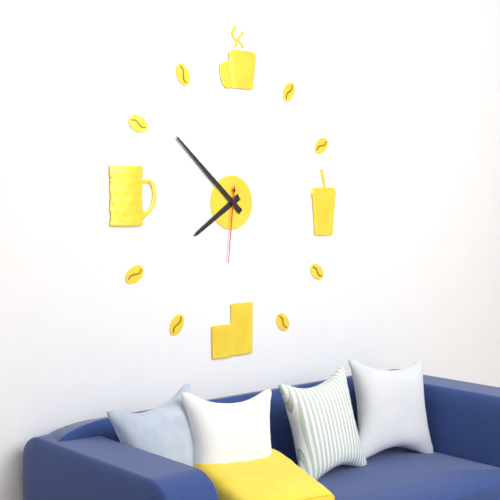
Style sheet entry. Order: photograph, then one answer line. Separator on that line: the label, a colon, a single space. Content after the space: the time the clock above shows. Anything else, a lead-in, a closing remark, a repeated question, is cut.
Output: 7:52:31
